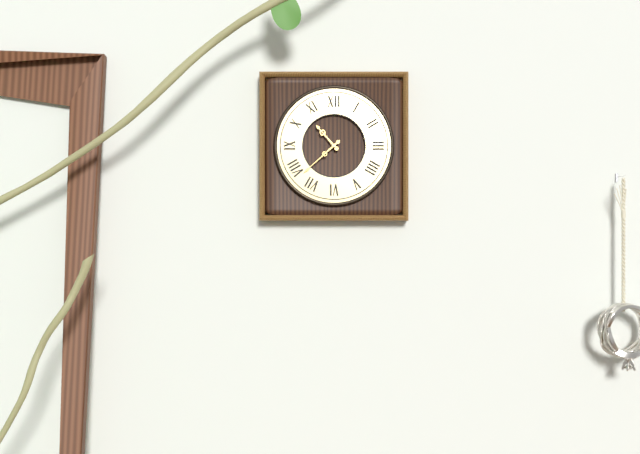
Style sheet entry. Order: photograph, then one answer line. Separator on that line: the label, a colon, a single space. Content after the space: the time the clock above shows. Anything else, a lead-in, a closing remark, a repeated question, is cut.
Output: 10:38
